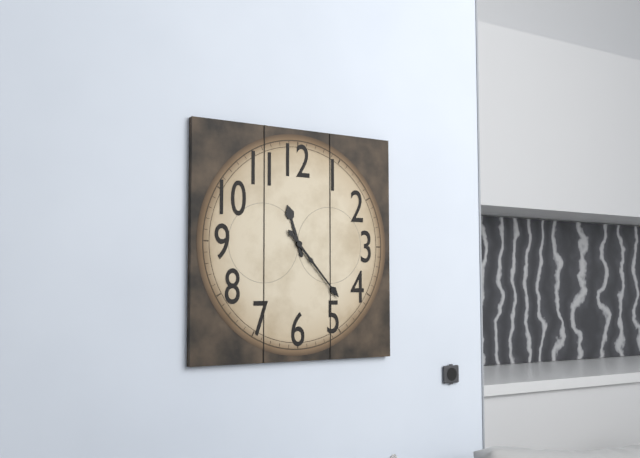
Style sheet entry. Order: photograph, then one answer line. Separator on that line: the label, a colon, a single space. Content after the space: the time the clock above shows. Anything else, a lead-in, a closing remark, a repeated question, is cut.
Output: 11:23
